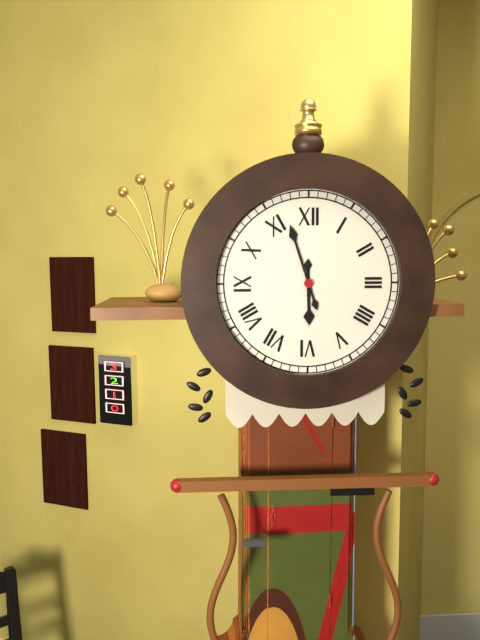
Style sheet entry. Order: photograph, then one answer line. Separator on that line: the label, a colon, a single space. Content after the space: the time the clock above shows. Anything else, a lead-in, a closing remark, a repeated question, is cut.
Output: 5:57
